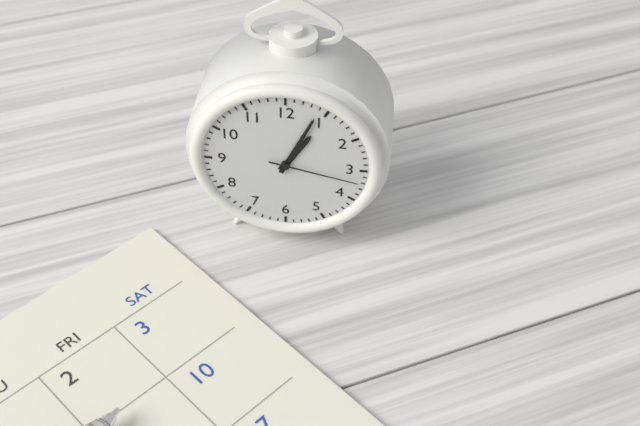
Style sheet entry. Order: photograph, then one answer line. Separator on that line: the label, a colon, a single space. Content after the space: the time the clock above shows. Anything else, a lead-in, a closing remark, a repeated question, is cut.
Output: 1:04:17
